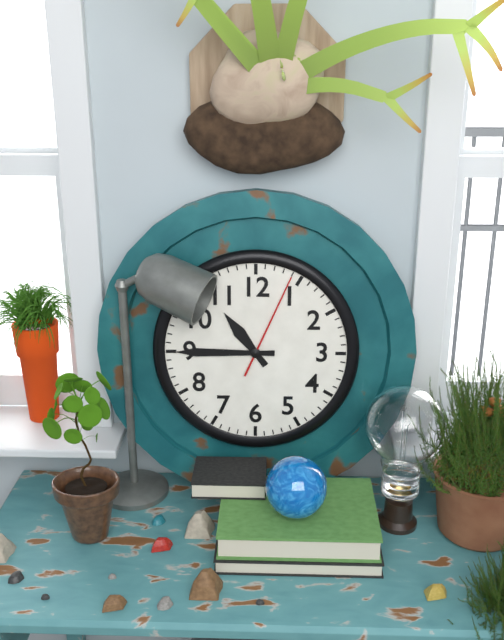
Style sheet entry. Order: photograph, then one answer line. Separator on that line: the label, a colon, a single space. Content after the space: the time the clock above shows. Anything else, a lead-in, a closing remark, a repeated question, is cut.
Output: 10:45:04
